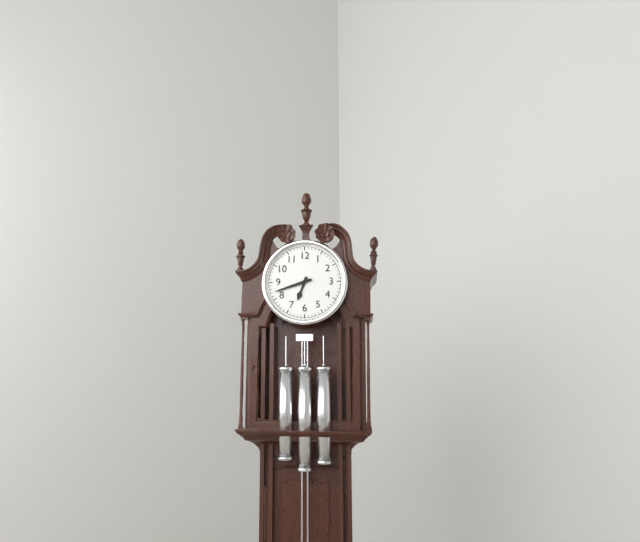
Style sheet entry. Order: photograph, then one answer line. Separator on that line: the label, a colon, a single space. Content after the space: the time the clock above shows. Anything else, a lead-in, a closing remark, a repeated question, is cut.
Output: 6:42
